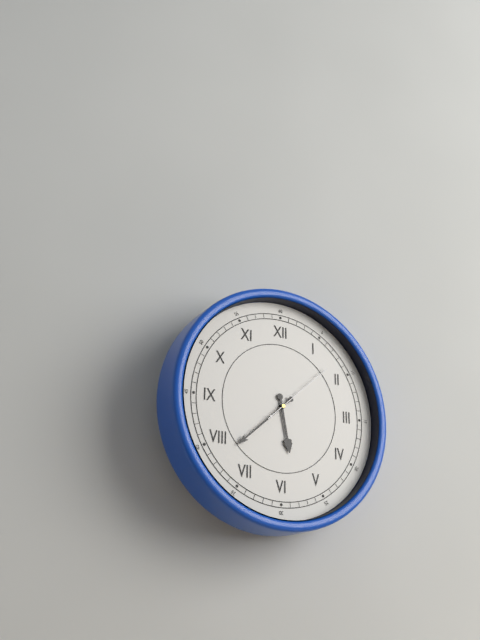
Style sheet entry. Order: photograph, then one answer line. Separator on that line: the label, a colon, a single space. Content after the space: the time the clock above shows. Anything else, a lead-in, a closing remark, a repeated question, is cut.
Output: 5:38:08
